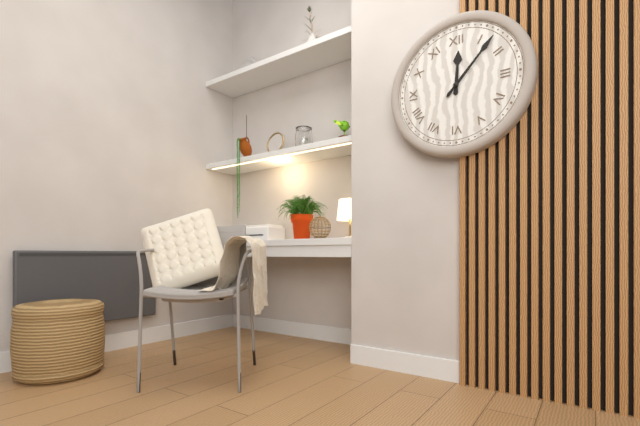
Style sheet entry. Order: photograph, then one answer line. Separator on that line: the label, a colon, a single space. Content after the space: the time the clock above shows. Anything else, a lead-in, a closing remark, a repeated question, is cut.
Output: 12:07
